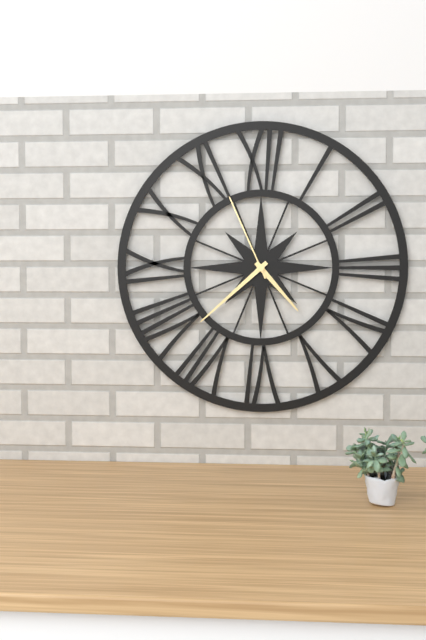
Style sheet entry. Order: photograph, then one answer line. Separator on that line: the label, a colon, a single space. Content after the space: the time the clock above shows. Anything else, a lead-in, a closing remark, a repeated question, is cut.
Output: 4:38:56
